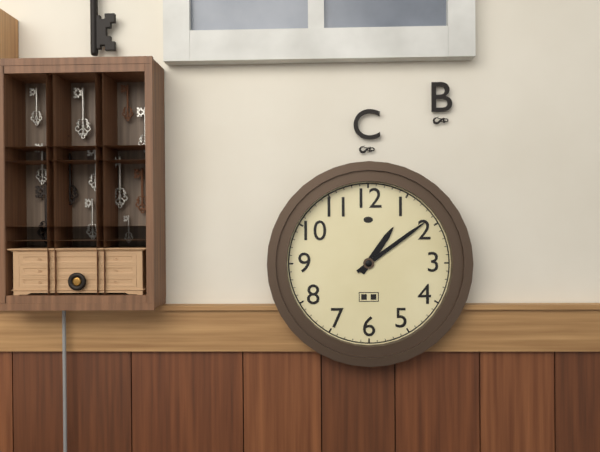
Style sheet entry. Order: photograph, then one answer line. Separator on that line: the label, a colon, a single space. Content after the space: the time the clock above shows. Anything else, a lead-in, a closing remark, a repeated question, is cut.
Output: 1:09
